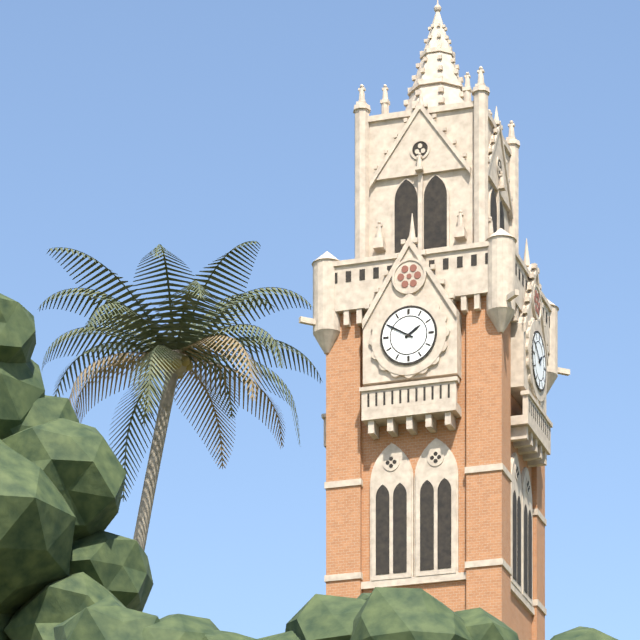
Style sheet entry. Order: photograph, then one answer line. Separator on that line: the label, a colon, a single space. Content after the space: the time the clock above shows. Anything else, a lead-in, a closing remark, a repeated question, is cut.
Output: 1:50
